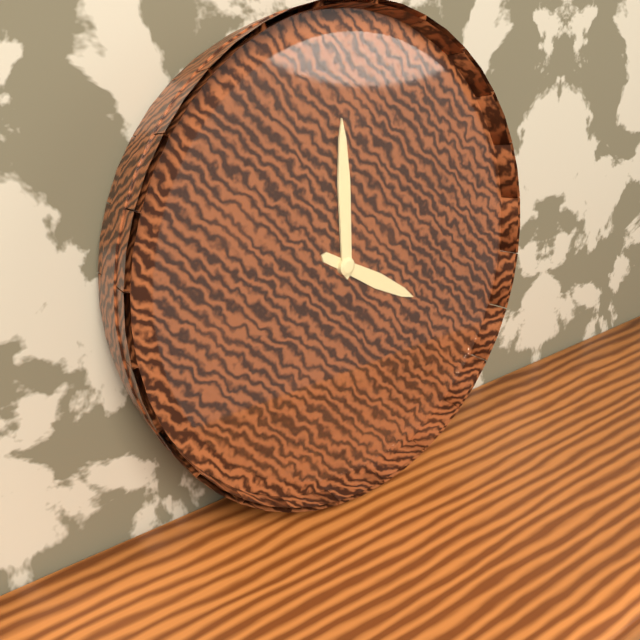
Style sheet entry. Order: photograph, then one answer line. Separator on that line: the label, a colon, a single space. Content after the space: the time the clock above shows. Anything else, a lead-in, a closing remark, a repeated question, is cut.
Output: 4:00
